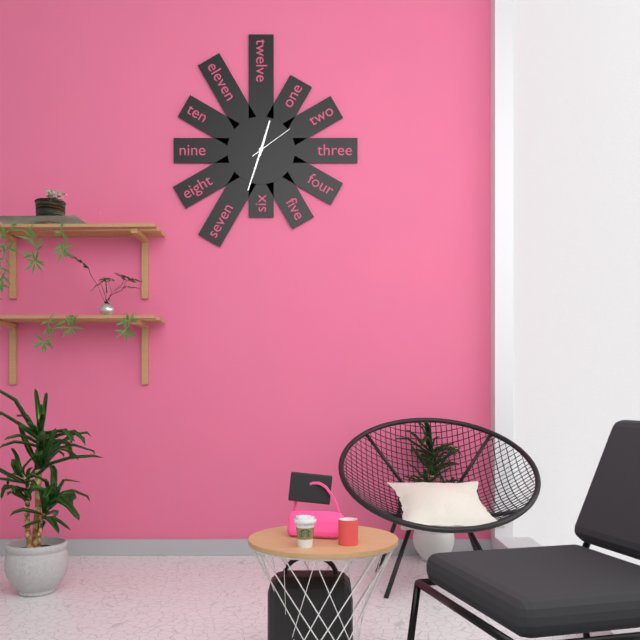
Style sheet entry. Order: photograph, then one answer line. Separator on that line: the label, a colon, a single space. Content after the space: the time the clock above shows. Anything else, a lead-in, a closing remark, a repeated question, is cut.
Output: 12:33
